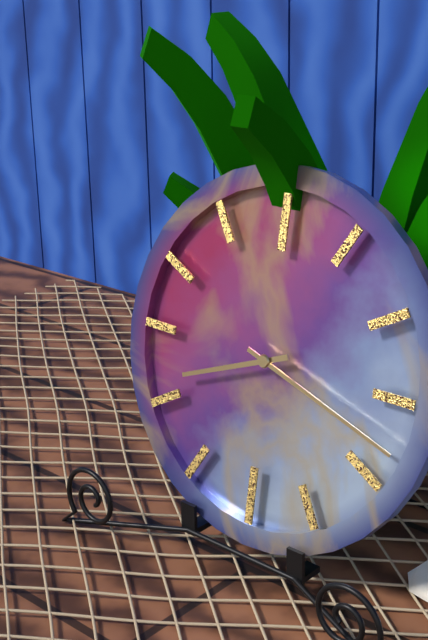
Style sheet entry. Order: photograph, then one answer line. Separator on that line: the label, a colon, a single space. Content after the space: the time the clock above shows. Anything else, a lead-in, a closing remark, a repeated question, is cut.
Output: 8:18
